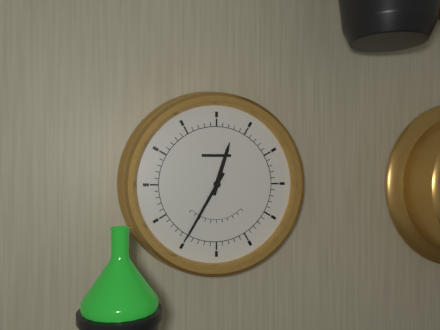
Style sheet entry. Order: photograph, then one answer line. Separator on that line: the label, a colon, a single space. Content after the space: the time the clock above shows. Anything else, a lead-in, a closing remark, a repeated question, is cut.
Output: 12:35
